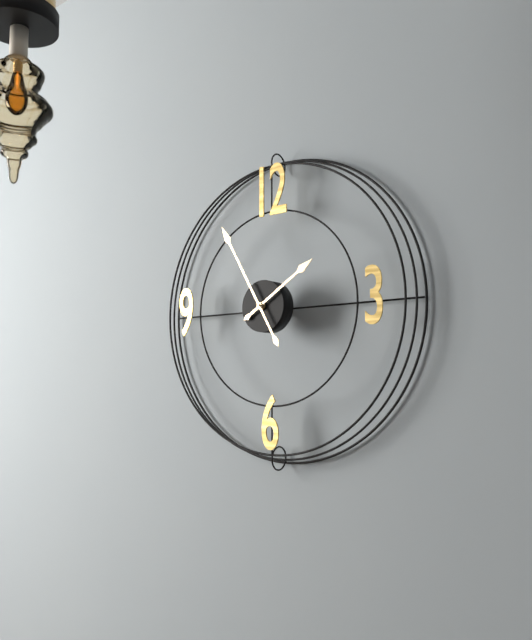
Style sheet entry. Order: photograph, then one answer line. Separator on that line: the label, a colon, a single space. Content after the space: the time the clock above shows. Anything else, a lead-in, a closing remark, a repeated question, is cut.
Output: 1:55
